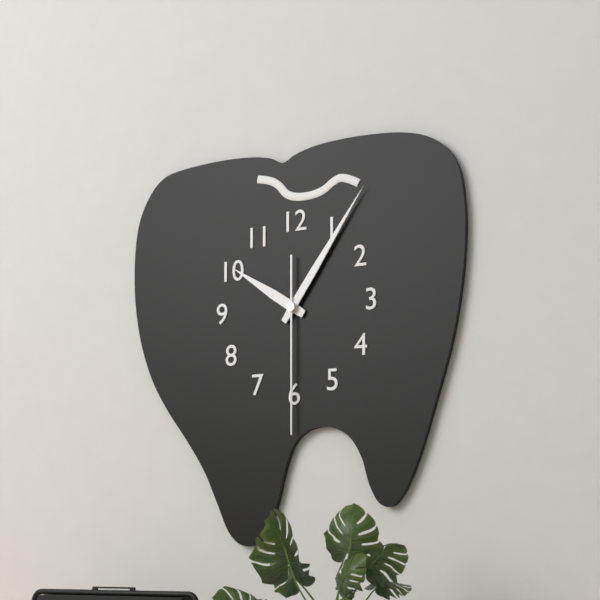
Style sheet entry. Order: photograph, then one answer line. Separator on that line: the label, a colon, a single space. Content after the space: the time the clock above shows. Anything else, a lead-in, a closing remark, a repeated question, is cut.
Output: 10:06:30
